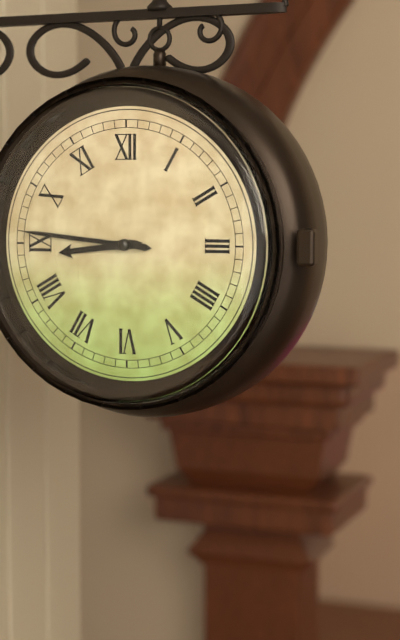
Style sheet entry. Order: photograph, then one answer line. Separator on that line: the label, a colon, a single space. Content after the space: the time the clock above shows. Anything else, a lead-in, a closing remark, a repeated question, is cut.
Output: 8:46
